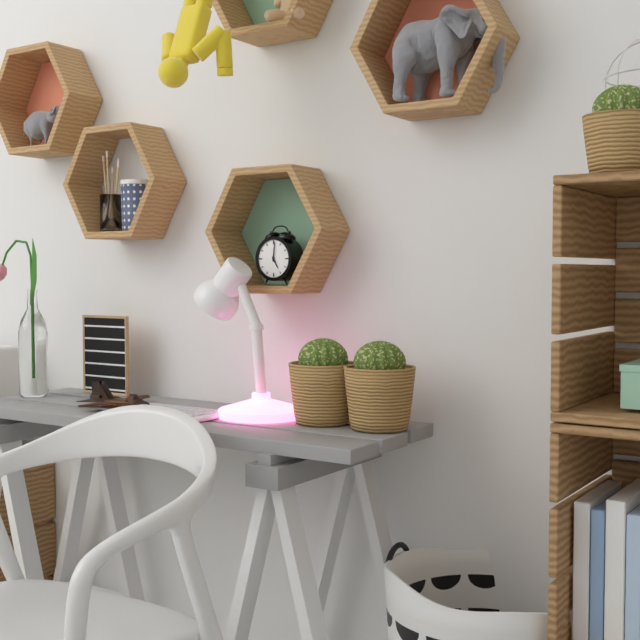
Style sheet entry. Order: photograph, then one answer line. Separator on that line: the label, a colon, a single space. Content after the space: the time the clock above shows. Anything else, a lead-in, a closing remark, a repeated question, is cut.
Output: 5:01
